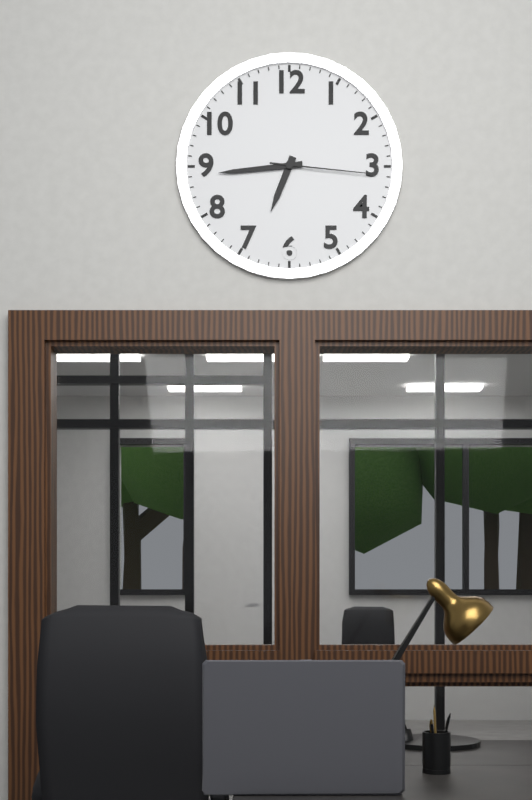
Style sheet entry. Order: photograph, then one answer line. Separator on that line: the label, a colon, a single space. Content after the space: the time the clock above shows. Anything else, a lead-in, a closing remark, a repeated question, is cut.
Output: 6:44:16
